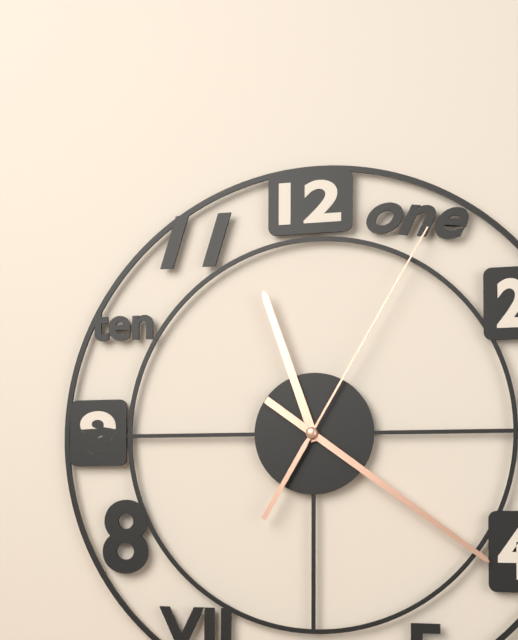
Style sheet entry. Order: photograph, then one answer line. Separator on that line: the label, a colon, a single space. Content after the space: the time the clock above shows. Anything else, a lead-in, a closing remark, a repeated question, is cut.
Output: 11:21:05
